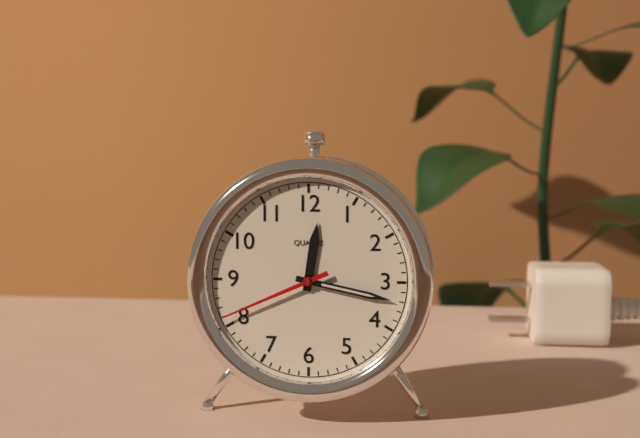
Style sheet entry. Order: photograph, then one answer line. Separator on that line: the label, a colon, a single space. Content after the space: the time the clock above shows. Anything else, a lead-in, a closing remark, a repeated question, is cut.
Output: 12:17:41
